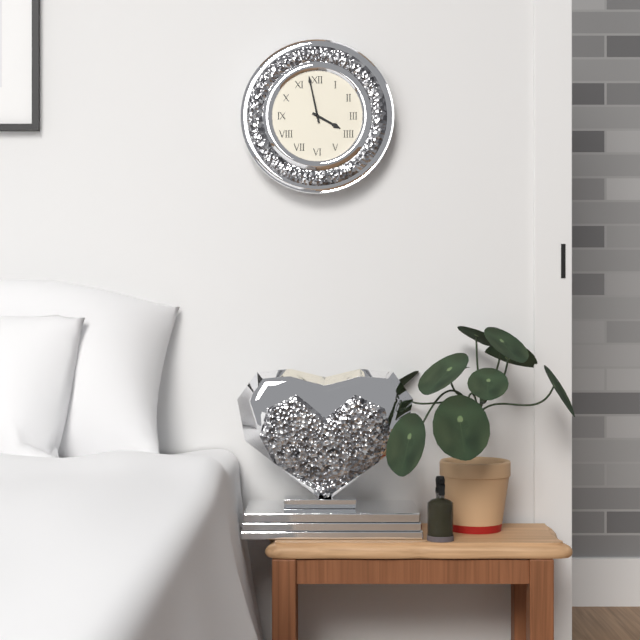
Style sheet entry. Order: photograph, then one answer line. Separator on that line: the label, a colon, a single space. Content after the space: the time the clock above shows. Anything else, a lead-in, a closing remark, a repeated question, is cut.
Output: 3:58
